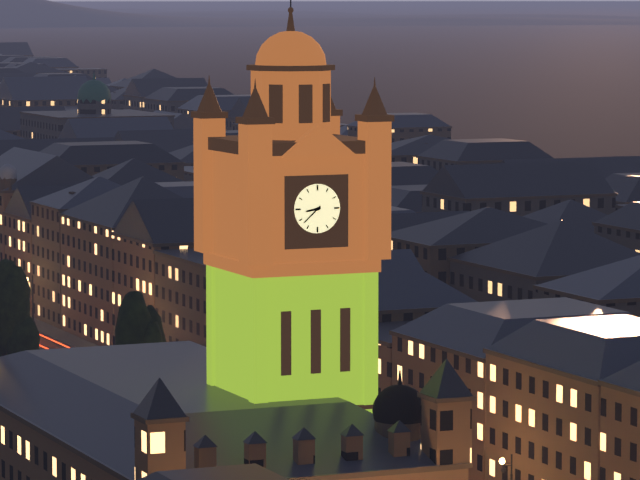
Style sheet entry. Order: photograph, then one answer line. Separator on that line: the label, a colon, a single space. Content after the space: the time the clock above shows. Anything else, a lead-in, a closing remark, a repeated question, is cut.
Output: 8:38
